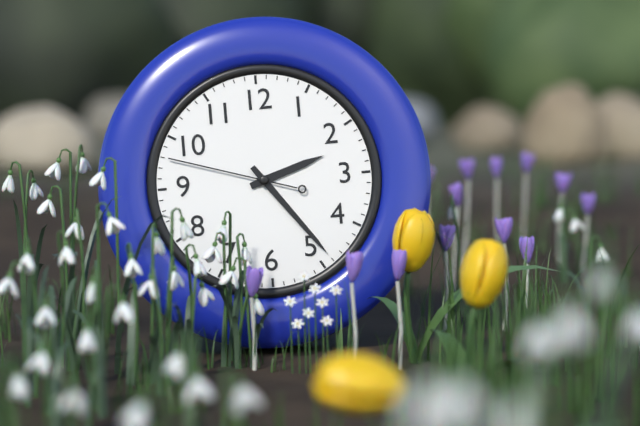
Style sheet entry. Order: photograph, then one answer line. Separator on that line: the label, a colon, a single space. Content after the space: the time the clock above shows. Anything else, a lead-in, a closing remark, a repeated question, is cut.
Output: 2:24:48
